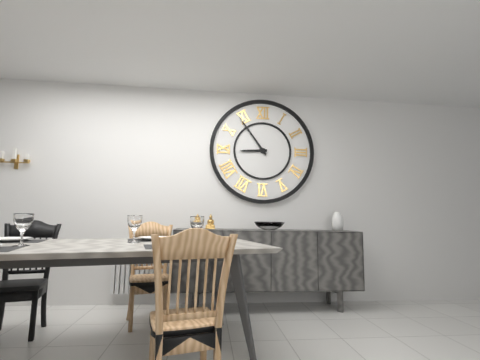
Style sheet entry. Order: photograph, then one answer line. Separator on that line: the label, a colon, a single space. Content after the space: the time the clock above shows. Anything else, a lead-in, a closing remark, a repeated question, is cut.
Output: 8:54
